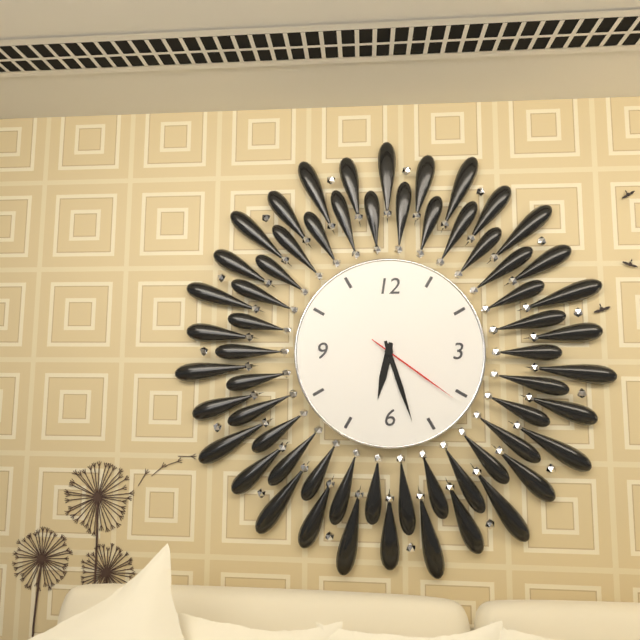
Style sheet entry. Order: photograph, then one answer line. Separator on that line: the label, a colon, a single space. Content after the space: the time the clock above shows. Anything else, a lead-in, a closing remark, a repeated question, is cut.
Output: 6:27:21
